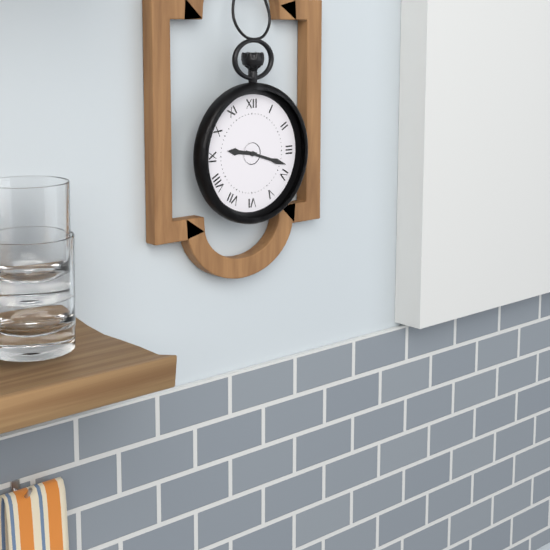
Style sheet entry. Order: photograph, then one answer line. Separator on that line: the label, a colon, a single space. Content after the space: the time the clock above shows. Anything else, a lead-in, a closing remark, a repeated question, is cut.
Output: 9:18
